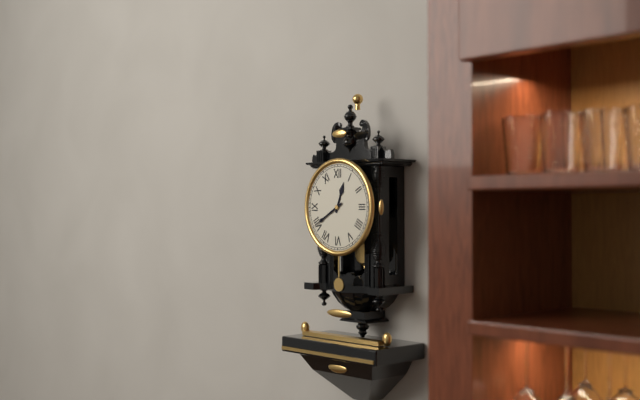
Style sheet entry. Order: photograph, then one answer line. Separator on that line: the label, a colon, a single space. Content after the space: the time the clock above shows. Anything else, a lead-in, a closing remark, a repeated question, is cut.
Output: 12:40
